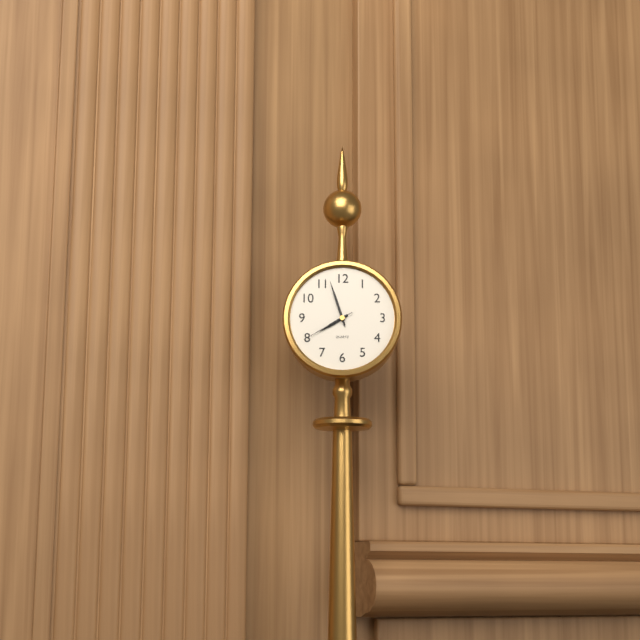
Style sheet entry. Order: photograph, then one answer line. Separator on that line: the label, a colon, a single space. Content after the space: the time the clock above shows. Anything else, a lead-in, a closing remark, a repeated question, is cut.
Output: 7:57:40
